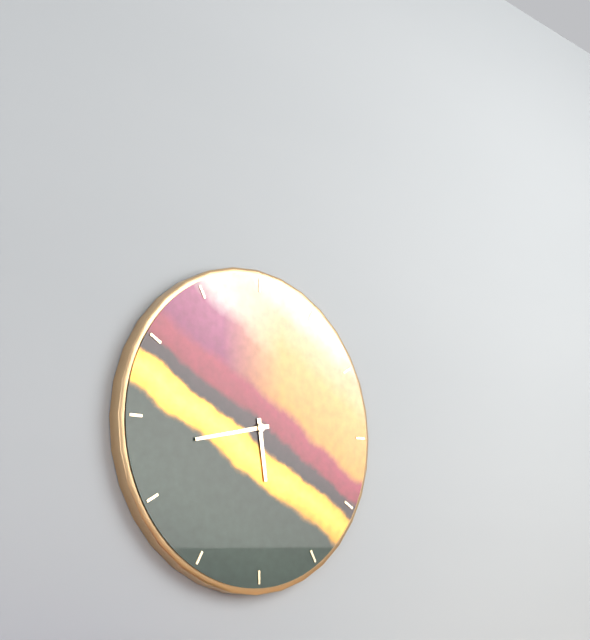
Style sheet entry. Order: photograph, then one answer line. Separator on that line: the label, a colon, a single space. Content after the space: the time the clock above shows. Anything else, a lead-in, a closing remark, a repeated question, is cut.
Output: 5:43
